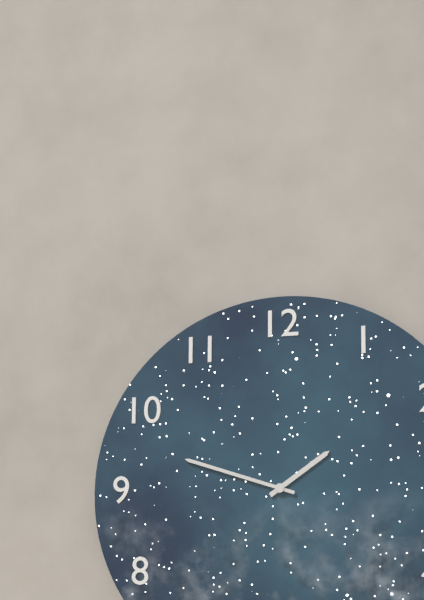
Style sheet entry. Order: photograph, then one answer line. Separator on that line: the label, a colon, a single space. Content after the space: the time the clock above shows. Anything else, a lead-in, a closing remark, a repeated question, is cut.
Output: 1:48
